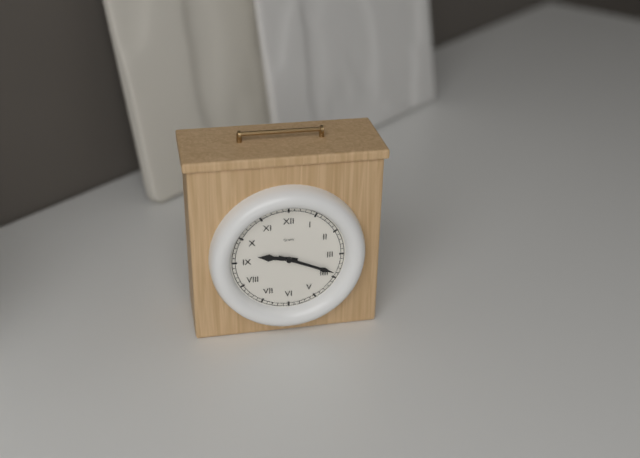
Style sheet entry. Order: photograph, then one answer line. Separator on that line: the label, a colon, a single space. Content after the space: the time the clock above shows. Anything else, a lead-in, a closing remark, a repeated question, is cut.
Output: 9:19
